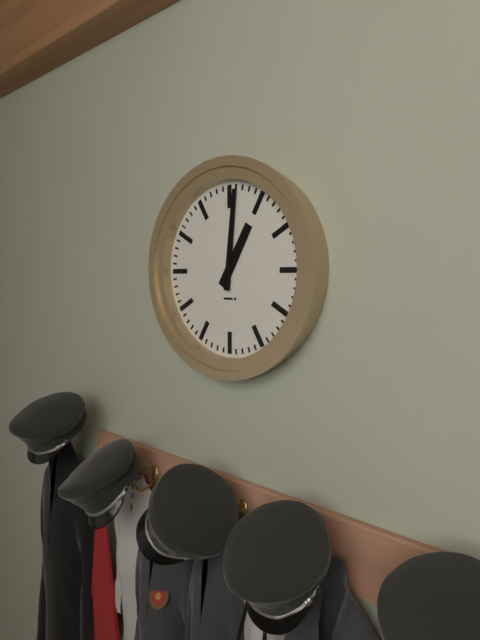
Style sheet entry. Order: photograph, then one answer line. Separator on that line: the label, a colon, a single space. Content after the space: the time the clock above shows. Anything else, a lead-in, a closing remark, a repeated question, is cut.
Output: 1:01
